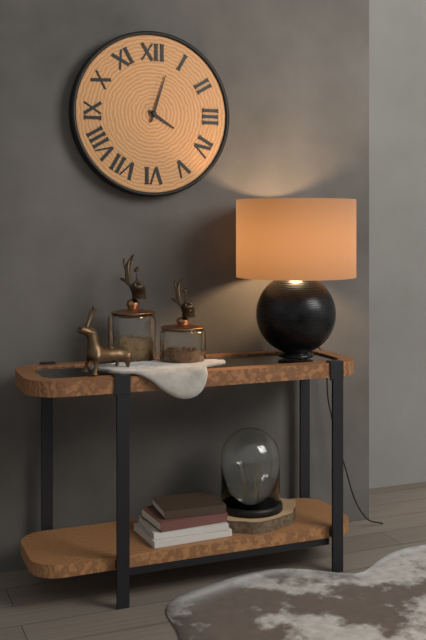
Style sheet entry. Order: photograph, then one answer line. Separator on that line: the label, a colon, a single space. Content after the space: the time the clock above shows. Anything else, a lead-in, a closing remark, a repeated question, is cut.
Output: 4:03
